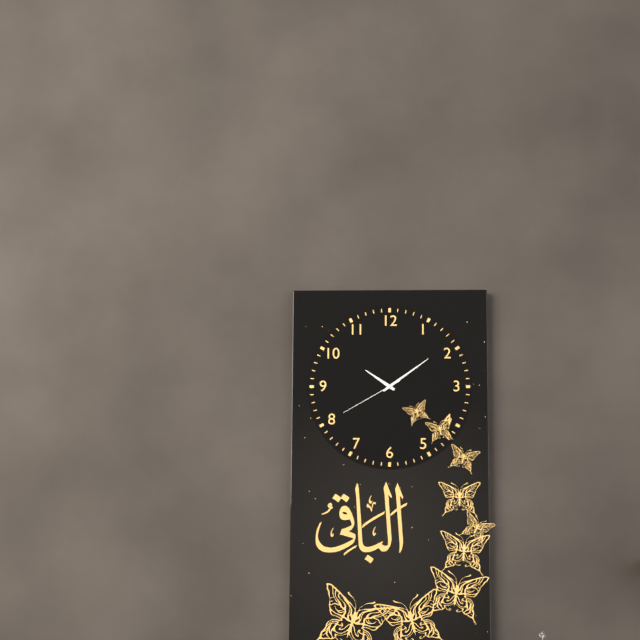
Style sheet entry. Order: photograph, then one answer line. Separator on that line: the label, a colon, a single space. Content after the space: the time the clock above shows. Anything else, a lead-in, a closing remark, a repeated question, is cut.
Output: 10:09:40
